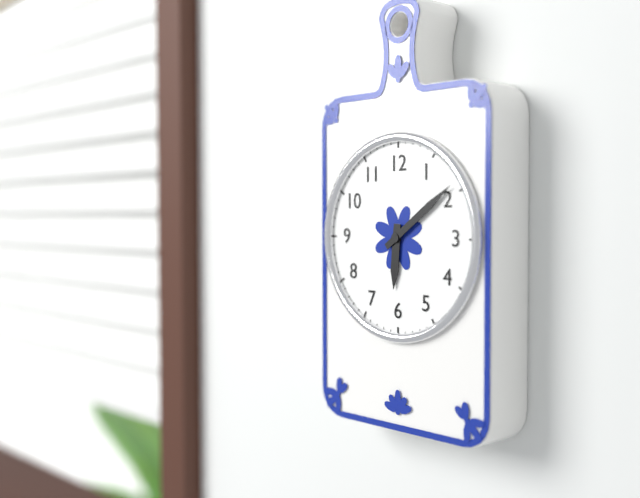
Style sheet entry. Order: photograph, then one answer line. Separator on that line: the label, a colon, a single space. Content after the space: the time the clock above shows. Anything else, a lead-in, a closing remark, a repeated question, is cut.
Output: 6:09
